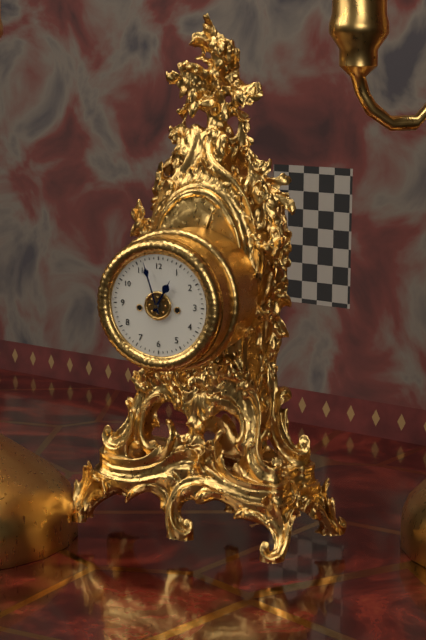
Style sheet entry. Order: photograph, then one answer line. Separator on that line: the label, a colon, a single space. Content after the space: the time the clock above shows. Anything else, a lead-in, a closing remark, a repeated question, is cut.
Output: 12:57
